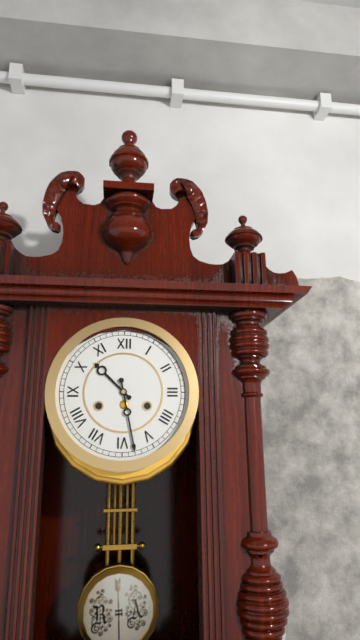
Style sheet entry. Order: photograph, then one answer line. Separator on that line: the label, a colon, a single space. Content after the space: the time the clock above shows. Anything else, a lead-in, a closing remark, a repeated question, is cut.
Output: 10:28
